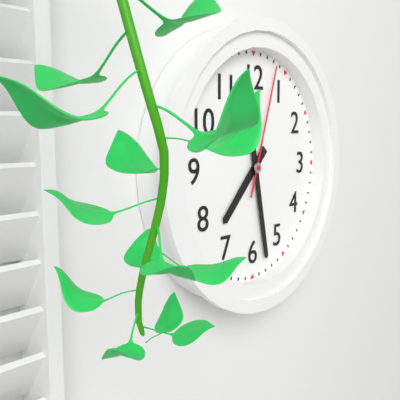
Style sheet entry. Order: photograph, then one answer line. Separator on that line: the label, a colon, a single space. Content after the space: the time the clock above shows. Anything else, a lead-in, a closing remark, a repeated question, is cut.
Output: 7:28:03
